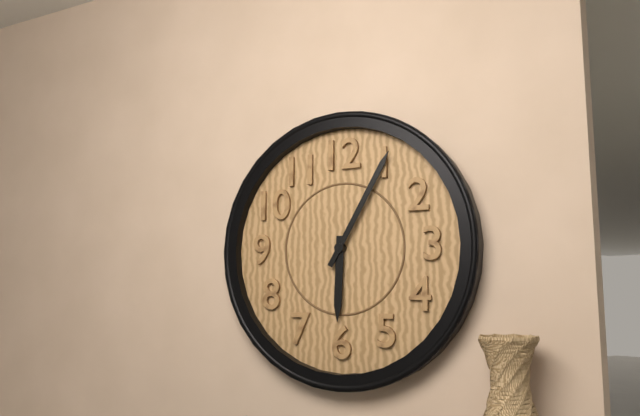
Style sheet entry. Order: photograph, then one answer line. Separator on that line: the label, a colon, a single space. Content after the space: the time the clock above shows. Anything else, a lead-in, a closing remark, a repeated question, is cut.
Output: 6:05
